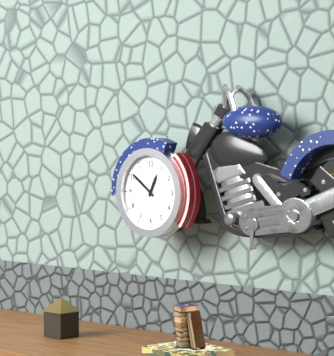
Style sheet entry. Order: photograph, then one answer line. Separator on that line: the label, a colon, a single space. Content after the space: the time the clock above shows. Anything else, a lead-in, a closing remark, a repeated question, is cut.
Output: 12:51
